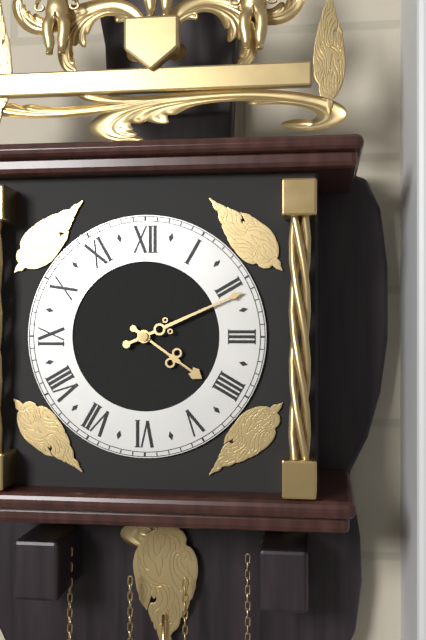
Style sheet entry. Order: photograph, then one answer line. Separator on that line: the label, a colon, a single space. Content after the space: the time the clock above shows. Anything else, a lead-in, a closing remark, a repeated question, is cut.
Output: 4:11
